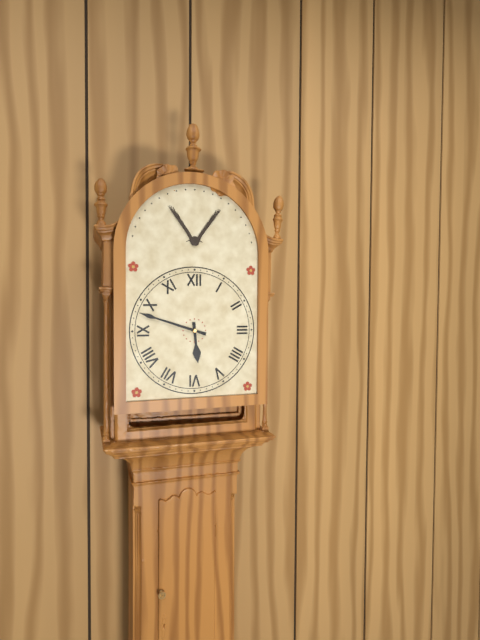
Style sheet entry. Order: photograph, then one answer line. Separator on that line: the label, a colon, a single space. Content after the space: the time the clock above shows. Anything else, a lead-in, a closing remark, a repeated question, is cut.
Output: 5:48
